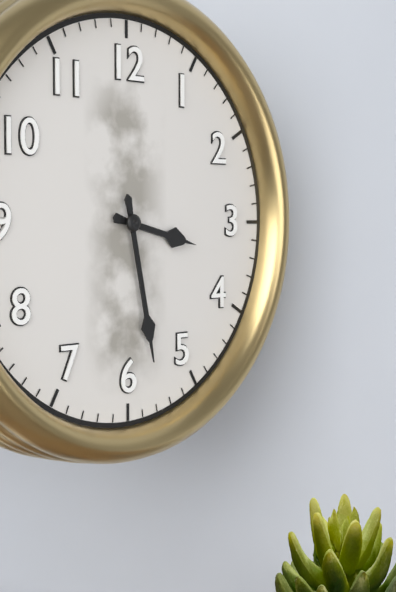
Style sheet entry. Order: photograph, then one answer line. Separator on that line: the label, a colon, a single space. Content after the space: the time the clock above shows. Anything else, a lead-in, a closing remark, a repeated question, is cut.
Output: 3:28
